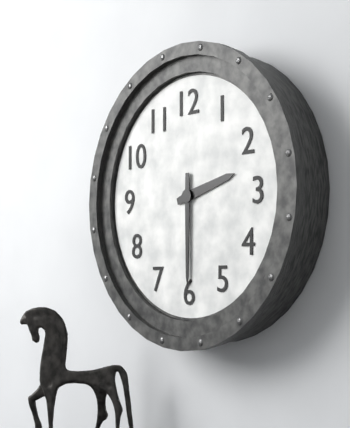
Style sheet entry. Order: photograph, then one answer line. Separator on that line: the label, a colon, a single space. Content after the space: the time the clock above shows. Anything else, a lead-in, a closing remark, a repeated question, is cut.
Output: 2:30
